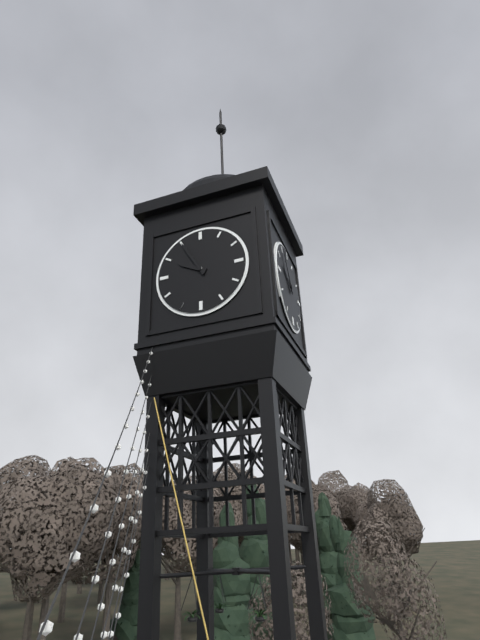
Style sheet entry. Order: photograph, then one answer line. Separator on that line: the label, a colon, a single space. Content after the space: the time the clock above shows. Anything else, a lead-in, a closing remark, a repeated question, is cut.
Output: 9:55
